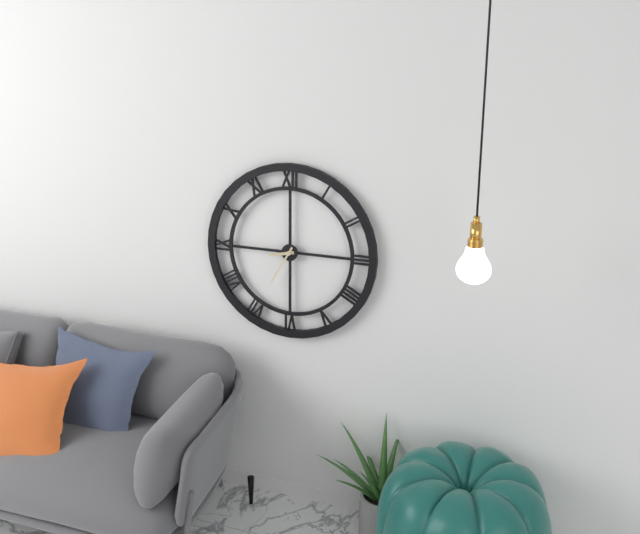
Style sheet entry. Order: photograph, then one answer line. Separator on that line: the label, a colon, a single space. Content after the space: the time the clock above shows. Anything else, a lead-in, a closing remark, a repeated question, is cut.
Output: 8:35
